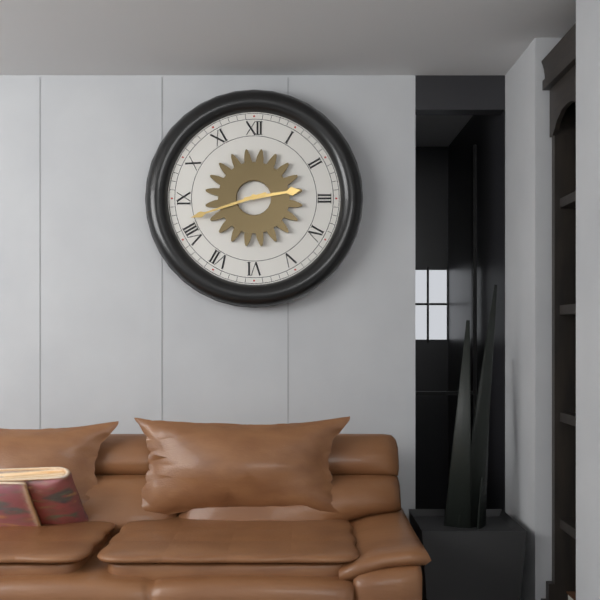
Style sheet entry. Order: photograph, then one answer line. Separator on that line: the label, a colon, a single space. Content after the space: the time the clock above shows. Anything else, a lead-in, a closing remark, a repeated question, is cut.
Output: 2:42
